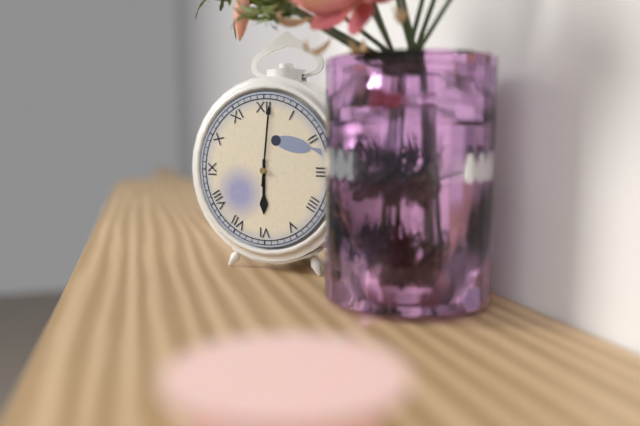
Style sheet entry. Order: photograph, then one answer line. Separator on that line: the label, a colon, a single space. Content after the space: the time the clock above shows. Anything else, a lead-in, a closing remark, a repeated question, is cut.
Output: 6:01
